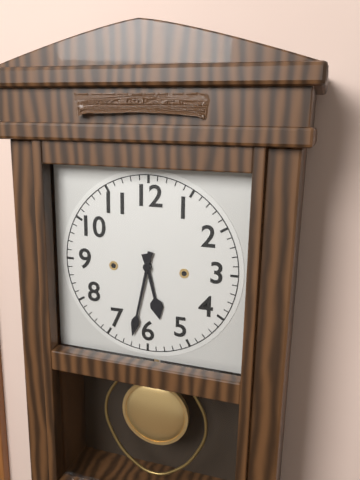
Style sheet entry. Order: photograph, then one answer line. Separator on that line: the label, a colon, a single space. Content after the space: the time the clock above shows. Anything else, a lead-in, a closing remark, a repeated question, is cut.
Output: 5:32
